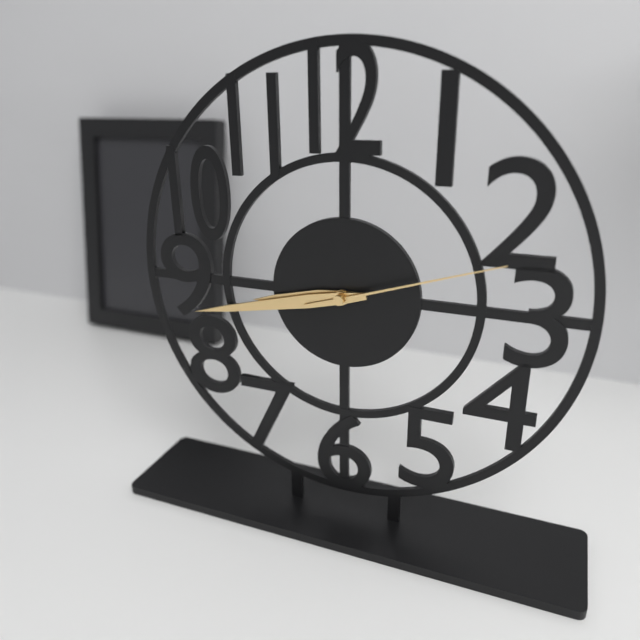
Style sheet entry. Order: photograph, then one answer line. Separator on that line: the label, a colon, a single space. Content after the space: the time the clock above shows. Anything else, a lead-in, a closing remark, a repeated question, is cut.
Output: 8:43:12
